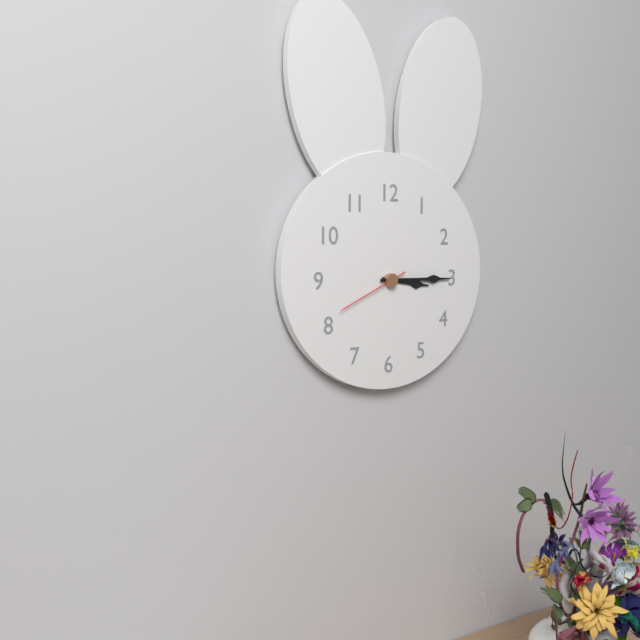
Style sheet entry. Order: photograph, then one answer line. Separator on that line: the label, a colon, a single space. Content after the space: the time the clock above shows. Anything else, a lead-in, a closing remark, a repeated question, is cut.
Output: 3:15:41
